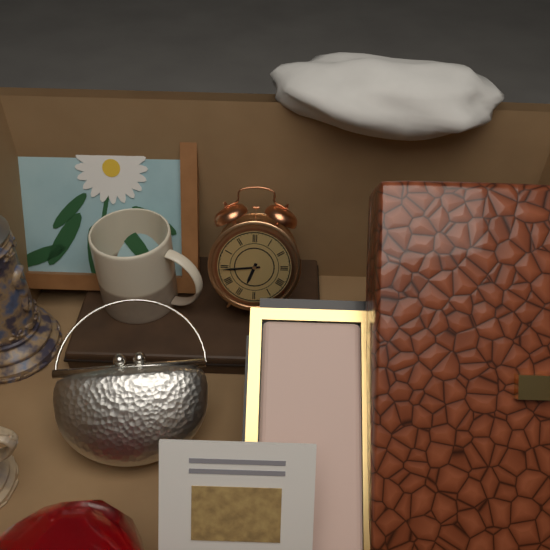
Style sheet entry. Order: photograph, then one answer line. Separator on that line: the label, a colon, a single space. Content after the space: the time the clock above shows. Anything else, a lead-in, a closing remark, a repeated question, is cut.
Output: 6:44
